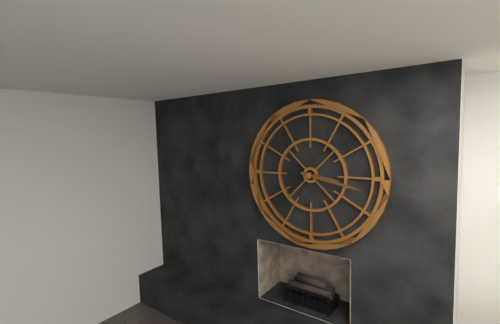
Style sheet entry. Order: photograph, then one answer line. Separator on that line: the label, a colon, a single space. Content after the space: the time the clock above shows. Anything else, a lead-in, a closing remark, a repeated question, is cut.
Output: 3:17
